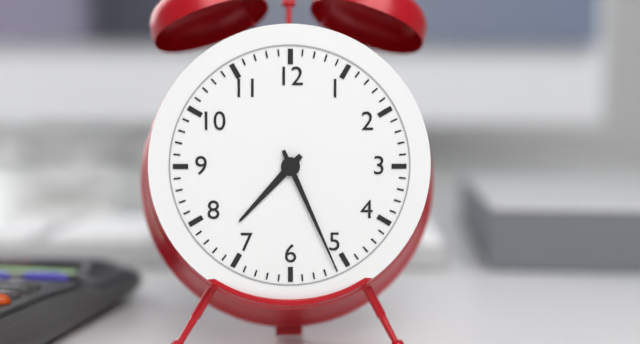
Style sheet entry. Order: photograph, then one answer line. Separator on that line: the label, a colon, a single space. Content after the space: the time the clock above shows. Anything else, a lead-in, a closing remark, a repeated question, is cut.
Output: 7:26
